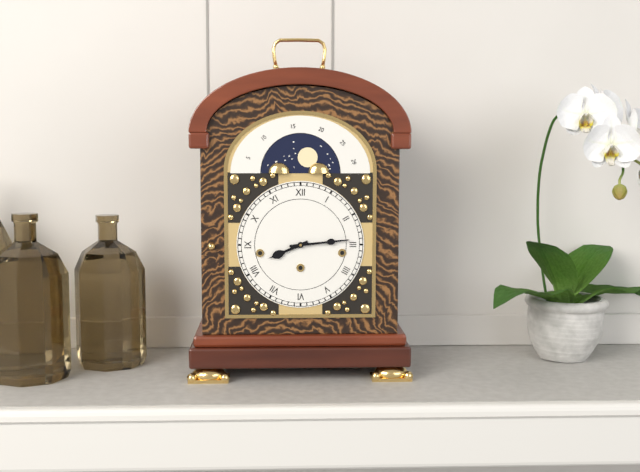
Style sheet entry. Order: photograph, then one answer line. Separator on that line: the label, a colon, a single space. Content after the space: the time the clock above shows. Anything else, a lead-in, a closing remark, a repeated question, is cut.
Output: 8:14
